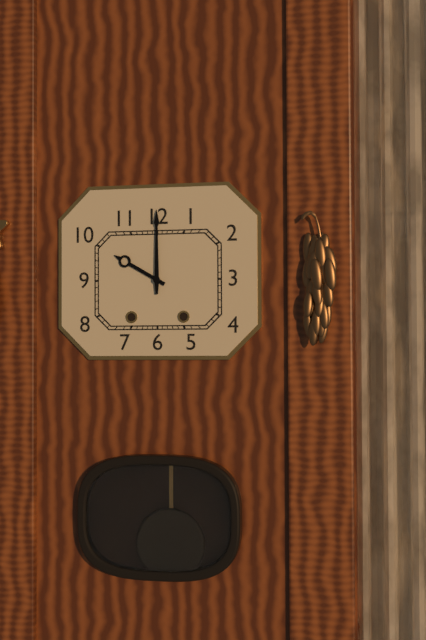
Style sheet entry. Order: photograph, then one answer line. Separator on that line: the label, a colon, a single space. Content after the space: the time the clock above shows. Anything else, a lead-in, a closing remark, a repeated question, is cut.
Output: 10:00
